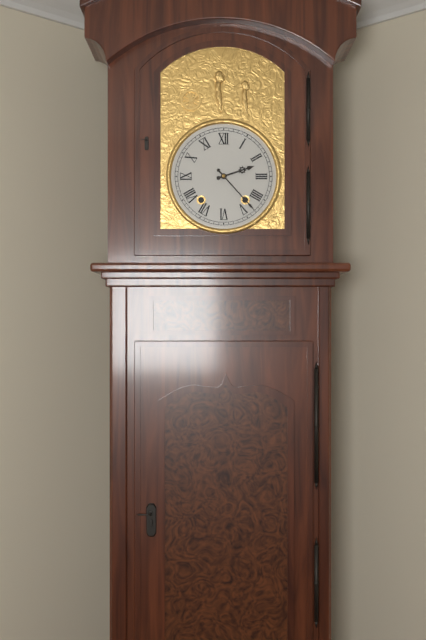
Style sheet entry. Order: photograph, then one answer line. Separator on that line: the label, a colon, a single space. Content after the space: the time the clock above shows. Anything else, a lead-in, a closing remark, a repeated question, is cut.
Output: 2:23
